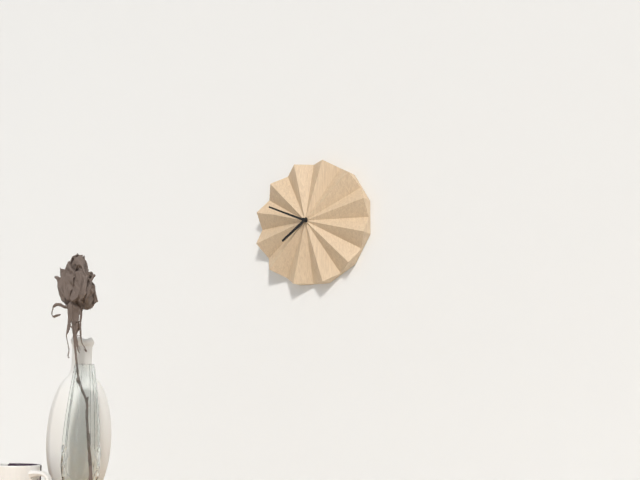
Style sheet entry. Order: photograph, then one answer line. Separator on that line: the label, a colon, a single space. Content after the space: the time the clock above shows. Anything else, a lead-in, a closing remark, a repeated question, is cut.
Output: 7:49
